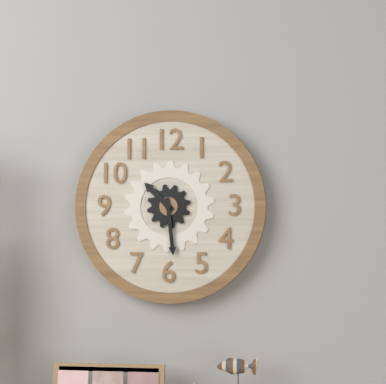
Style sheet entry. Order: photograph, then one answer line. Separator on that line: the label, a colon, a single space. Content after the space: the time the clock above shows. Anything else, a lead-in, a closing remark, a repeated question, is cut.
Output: 10:29
